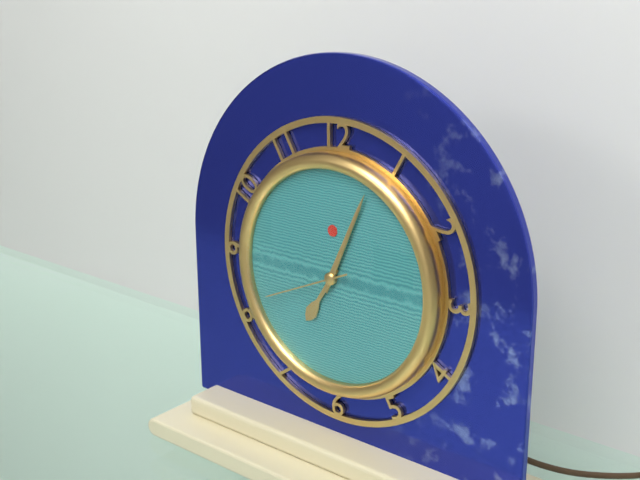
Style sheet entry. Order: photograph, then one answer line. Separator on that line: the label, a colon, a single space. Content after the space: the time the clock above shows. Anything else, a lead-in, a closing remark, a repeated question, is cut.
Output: 7:04:41
